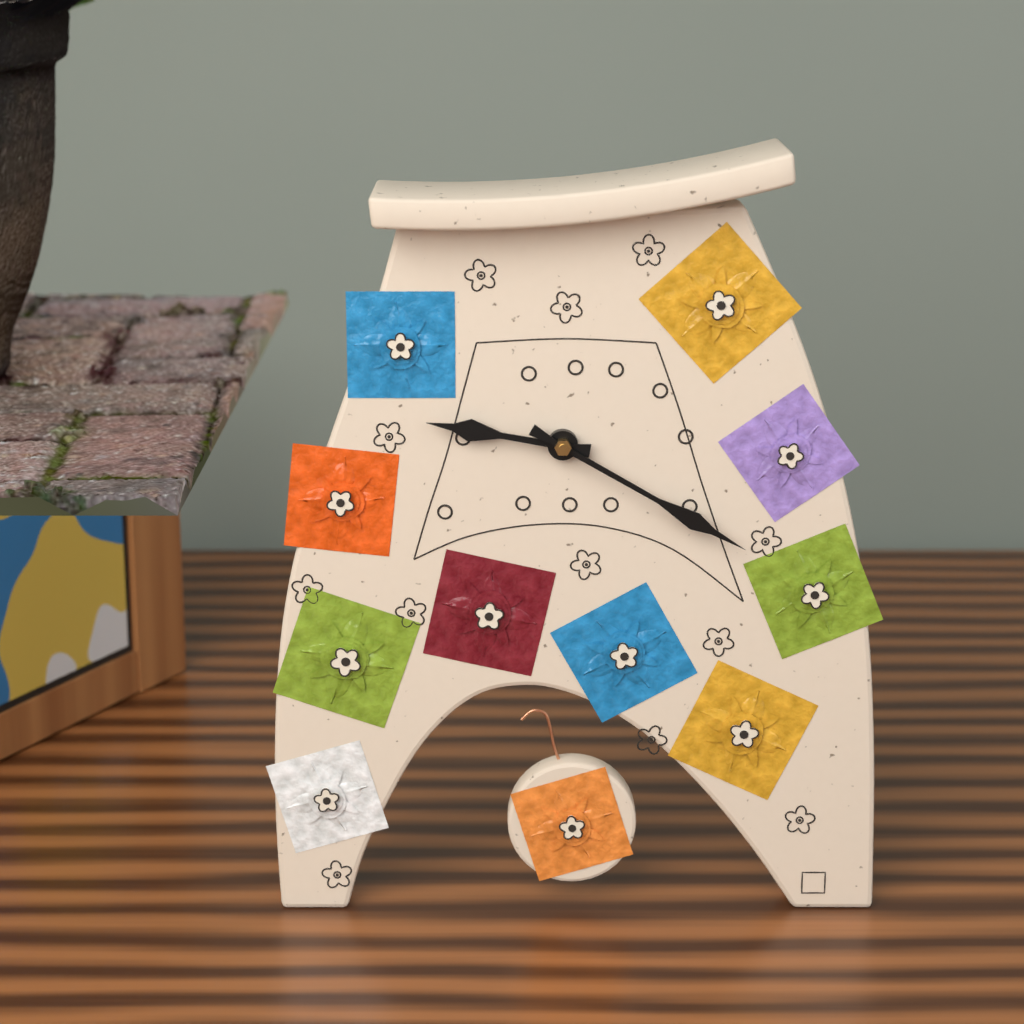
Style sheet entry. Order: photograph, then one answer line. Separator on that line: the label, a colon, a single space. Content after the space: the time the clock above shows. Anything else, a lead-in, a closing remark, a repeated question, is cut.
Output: 9:20
